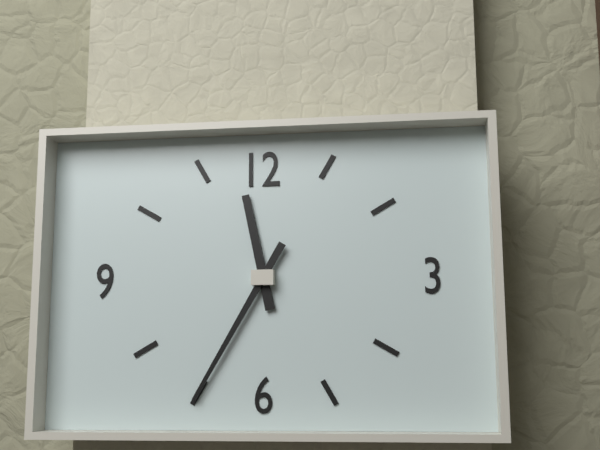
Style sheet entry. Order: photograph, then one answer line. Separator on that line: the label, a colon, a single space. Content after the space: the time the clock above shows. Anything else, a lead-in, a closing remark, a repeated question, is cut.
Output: 11:35
